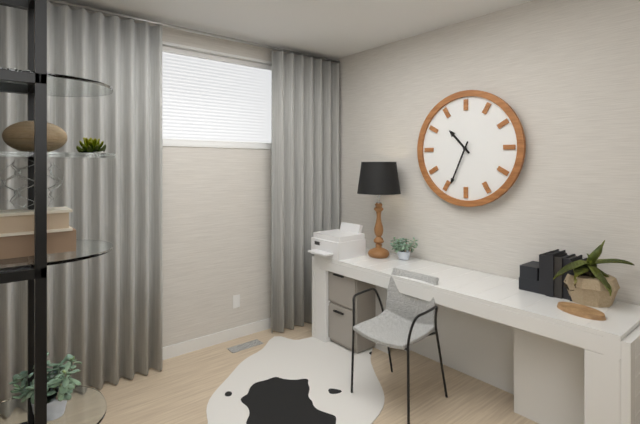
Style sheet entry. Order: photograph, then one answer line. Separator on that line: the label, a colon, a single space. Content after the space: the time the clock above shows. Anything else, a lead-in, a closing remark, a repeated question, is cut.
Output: 10:34
